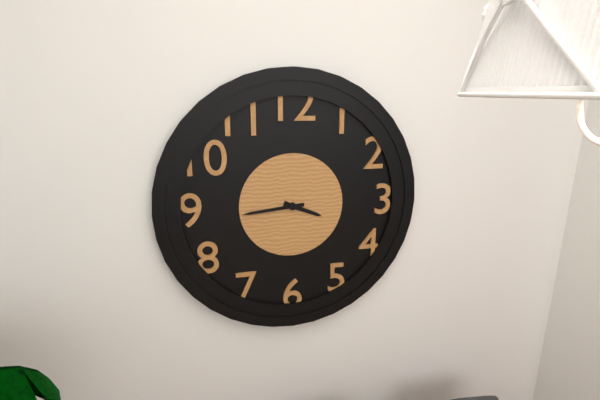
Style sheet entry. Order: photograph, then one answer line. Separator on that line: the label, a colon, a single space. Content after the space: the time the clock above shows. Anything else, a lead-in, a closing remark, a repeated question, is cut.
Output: 3:44
